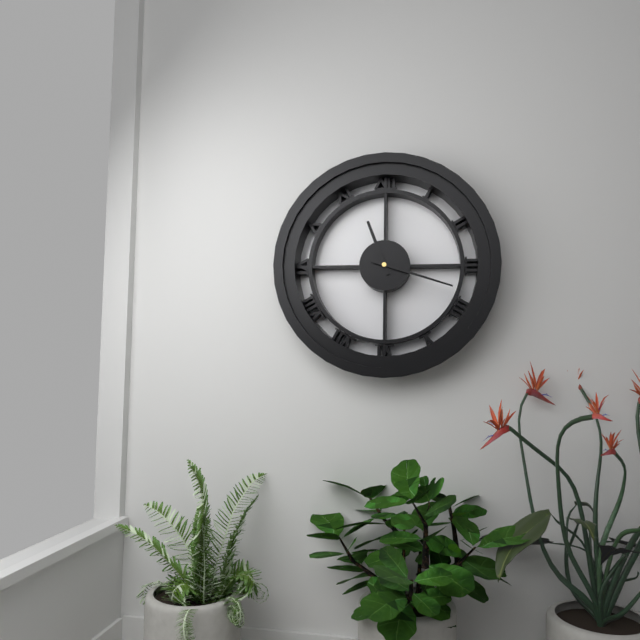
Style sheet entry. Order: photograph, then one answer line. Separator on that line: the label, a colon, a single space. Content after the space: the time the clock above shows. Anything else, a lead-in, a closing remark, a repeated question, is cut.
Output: 11:18
